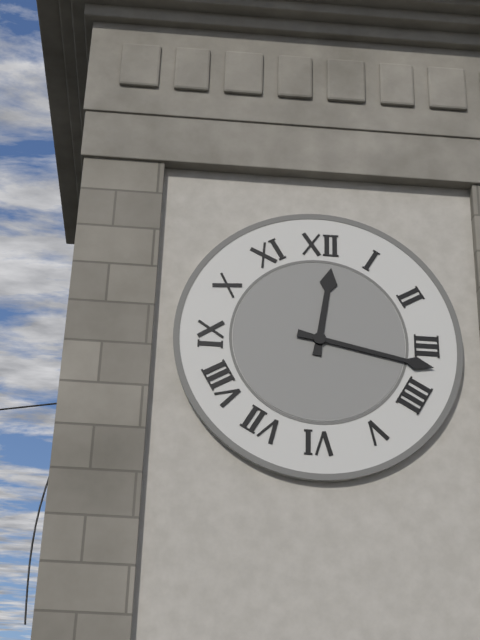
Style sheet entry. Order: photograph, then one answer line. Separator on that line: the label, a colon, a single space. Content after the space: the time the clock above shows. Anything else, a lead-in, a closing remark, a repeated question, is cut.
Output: 12:17
